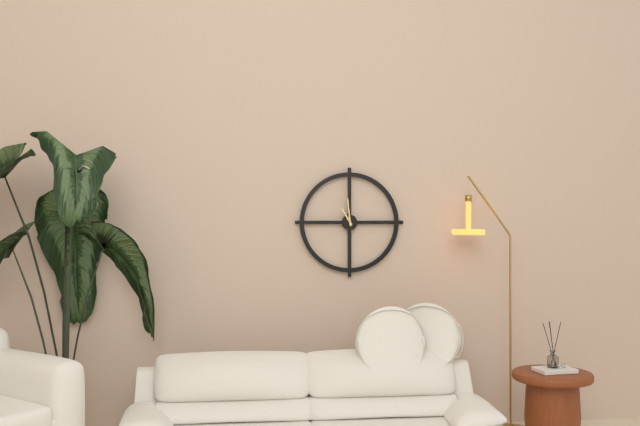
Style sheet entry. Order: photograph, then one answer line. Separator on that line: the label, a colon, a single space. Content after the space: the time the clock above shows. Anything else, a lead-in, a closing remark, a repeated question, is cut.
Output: 10:59
